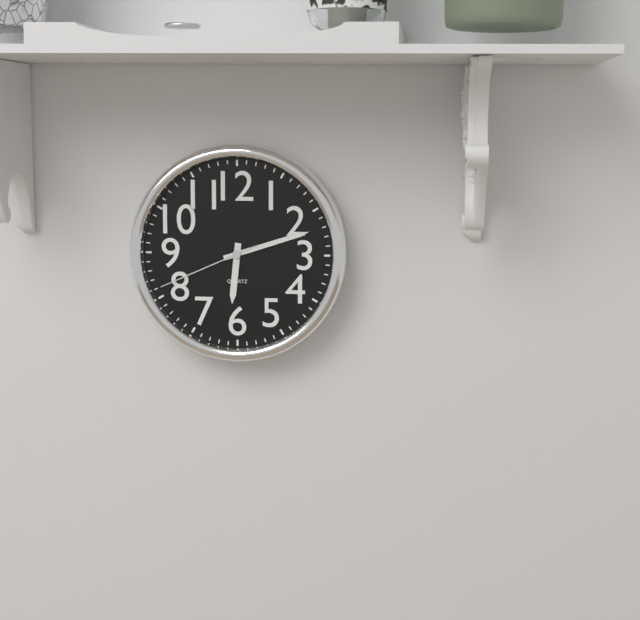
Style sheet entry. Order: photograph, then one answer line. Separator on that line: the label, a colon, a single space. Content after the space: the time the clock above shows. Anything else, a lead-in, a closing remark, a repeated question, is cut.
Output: 6:12:41
